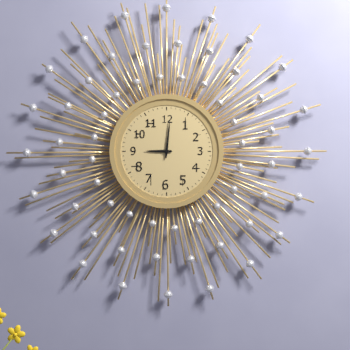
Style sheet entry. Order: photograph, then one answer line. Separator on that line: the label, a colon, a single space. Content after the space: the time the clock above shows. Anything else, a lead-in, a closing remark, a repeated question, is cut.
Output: 9:01
